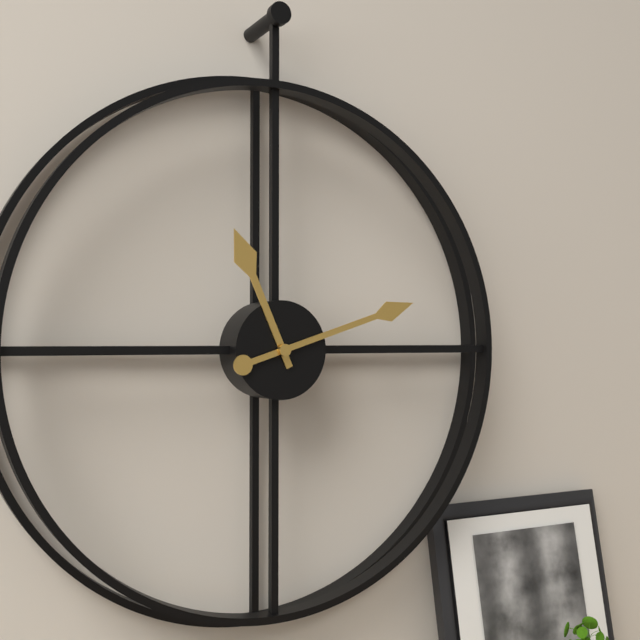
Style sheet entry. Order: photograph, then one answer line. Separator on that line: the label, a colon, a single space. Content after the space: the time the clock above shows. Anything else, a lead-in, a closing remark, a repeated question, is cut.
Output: 11:12
